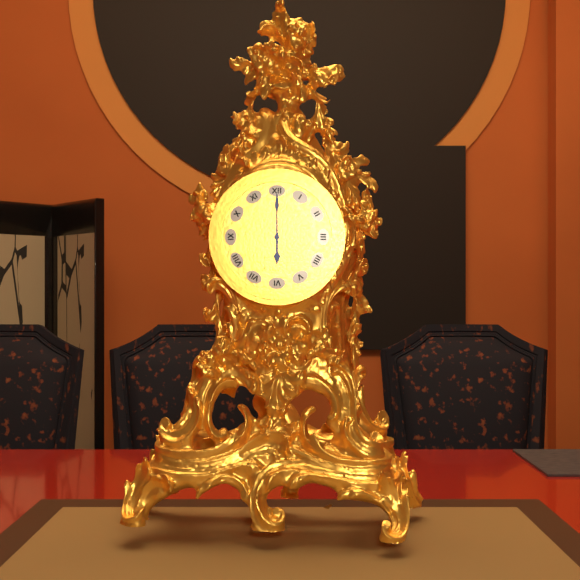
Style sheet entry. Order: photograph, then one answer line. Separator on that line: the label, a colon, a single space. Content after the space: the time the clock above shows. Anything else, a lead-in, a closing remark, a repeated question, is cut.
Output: 6:00
